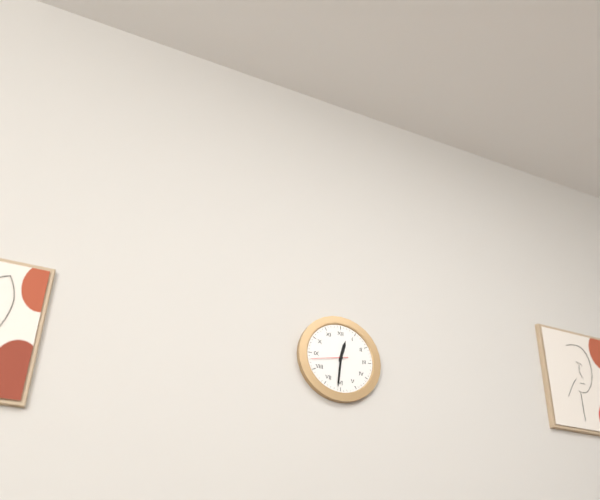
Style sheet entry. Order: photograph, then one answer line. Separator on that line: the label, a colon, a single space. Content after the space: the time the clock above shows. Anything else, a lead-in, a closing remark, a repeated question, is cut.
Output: 12:31
